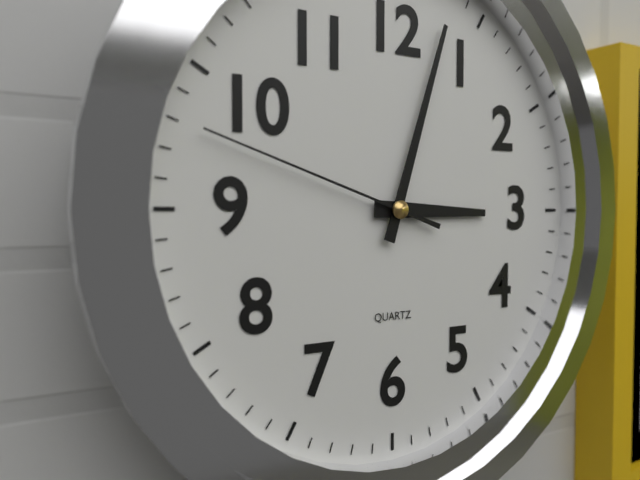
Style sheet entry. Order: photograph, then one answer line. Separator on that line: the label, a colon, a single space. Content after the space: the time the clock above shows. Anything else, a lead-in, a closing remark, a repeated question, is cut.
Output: 3:03:48
